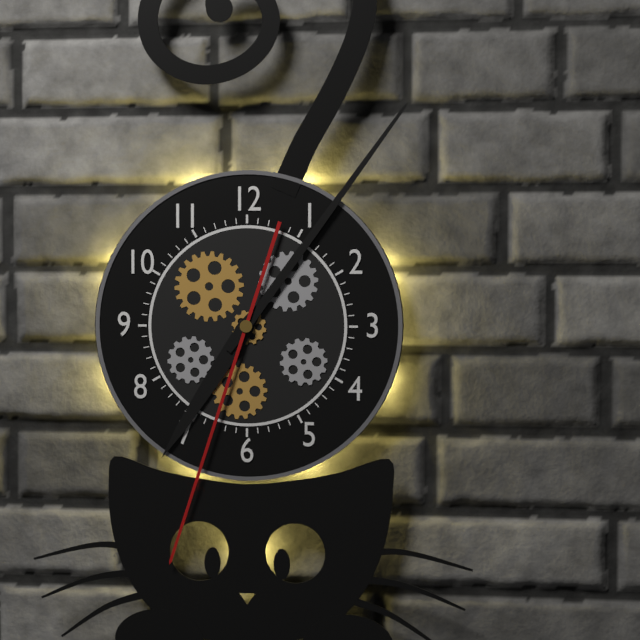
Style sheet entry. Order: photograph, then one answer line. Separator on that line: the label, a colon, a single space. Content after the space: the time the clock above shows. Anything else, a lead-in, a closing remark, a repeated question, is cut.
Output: 7:06:33
